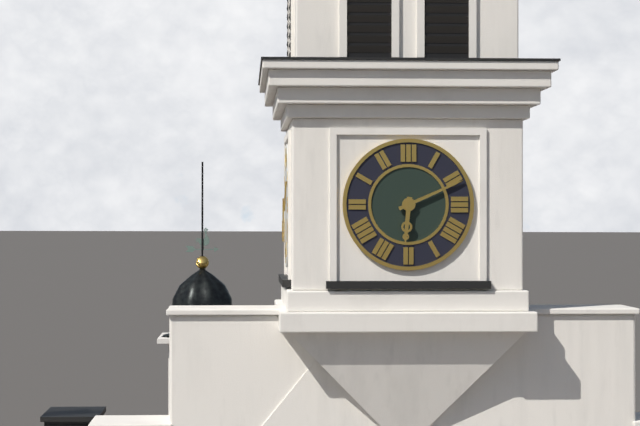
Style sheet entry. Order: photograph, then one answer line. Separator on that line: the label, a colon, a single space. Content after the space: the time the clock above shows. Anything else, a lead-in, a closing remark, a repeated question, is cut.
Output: 6:11
